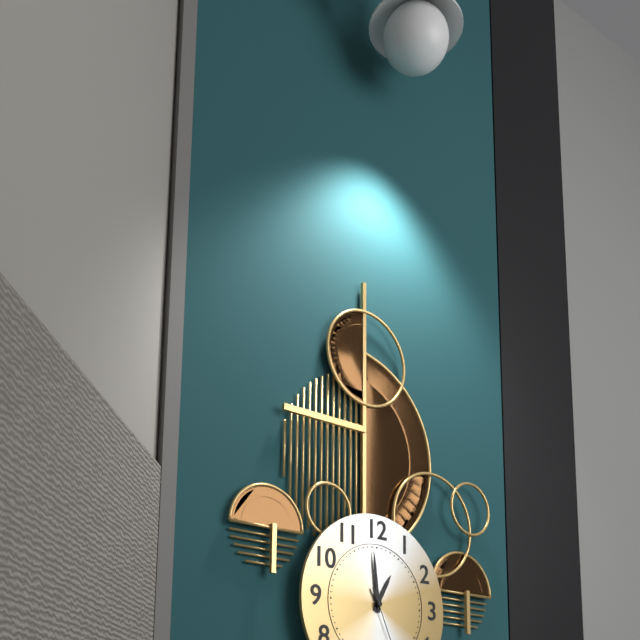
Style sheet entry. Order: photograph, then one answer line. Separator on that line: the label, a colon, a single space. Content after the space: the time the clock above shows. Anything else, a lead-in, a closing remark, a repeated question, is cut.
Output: 12:59
